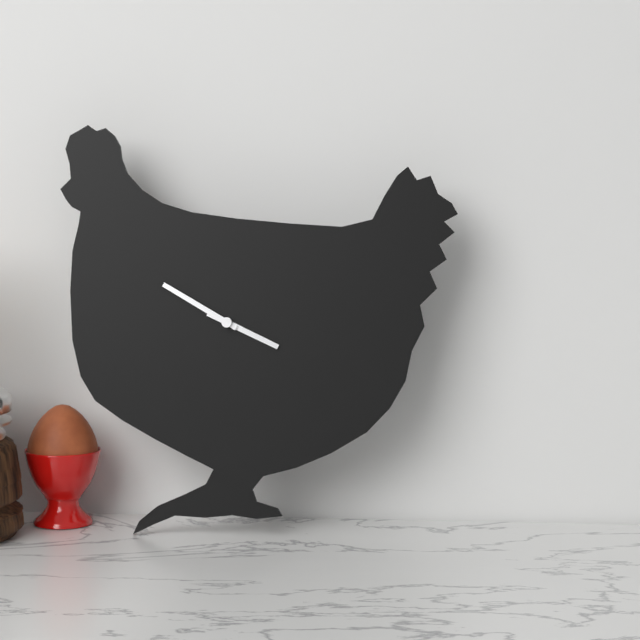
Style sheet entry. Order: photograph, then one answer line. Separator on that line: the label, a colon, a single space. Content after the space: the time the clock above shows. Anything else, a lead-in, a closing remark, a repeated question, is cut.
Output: 3:50
